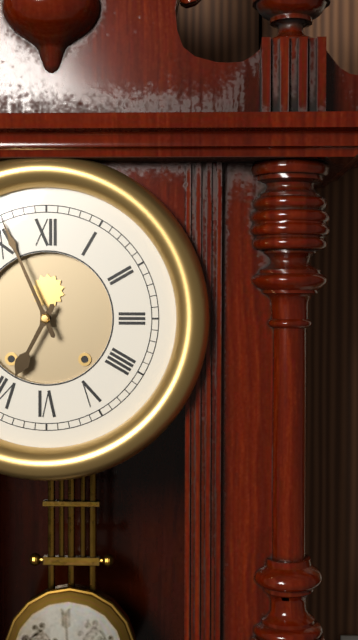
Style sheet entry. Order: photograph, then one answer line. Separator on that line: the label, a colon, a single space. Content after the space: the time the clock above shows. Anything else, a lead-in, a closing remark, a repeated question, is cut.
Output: 6:56
